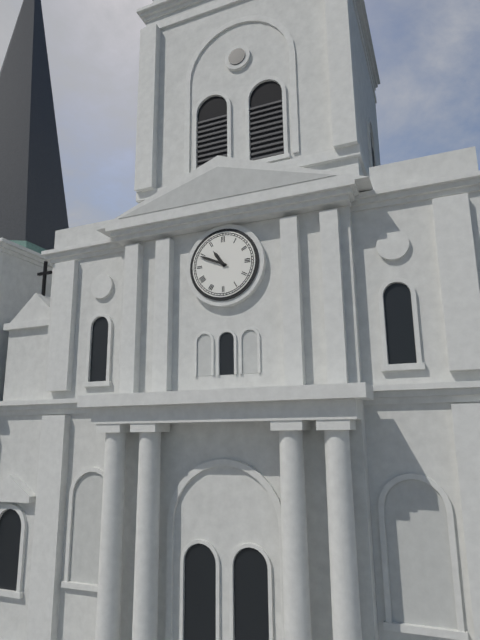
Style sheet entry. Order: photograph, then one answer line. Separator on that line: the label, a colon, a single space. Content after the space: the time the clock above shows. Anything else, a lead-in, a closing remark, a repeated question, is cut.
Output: 10:49
